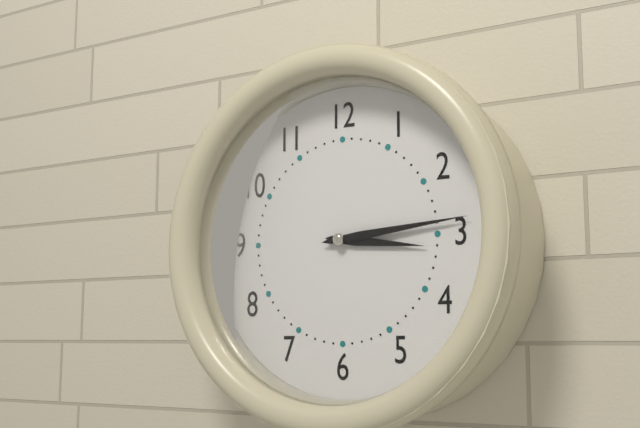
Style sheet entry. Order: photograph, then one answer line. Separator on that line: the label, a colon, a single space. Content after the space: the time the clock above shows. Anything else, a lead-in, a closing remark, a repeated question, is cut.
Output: 3:14
